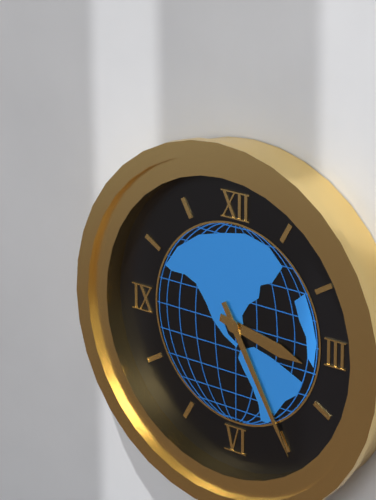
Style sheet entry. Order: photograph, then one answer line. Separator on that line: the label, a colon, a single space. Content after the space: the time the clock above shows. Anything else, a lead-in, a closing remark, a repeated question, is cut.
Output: 3:25
